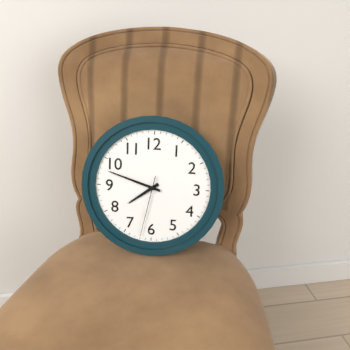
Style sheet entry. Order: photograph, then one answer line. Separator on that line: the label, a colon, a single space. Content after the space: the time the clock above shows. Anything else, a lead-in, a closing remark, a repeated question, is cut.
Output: 7:48:32
